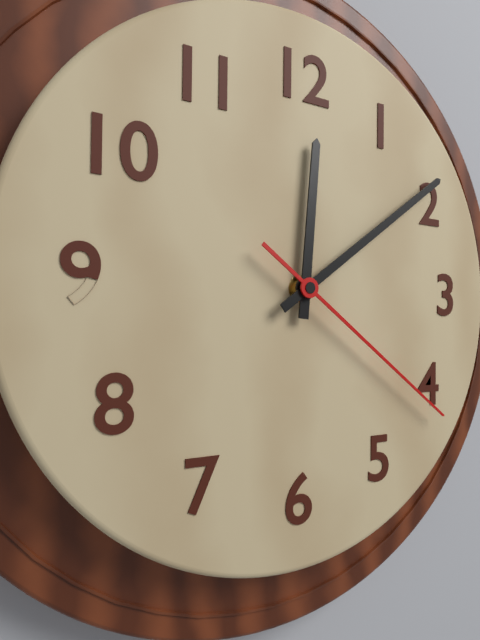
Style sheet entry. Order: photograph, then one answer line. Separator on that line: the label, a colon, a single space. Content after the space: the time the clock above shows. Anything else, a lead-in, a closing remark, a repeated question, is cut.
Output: 12:09:21
